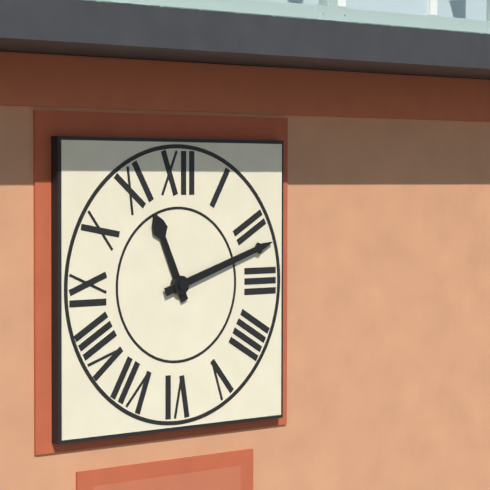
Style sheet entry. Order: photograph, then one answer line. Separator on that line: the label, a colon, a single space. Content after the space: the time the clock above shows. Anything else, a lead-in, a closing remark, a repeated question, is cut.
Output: 11:12
